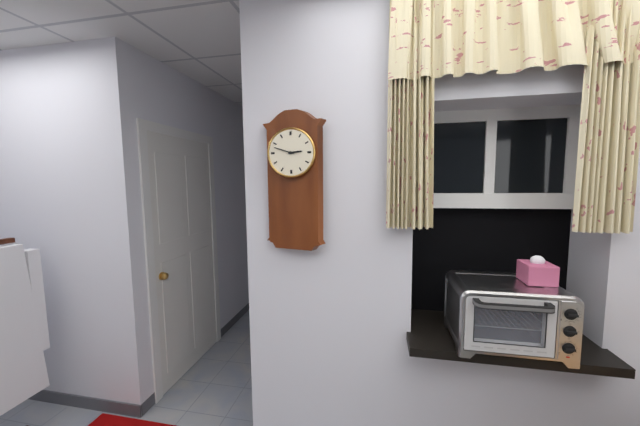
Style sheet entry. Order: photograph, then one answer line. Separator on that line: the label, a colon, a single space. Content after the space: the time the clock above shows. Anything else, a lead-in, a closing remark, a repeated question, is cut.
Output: 2:48
